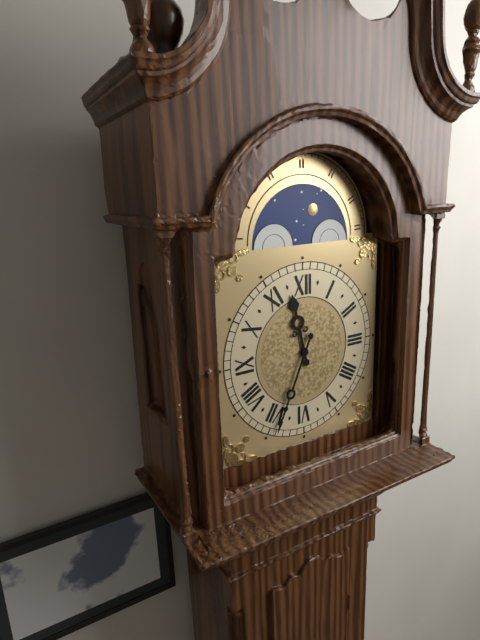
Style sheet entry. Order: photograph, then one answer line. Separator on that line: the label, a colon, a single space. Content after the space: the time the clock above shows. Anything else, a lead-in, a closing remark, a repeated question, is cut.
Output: 11:34
